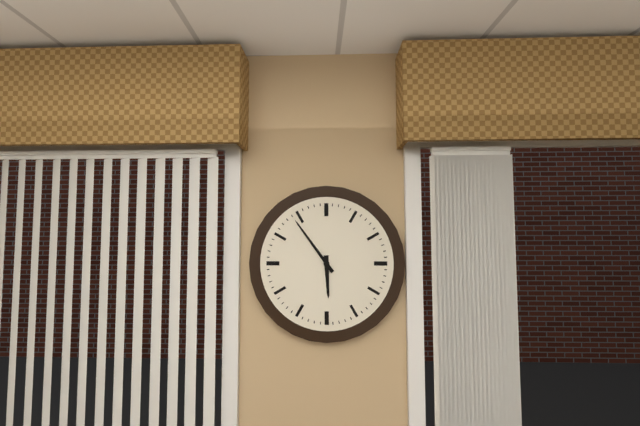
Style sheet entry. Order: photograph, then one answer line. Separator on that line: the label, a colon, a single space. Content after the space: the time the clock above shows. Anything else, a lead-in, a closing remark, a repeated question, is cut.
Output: 5:54
